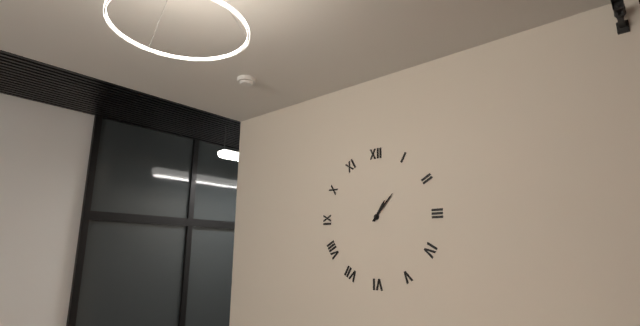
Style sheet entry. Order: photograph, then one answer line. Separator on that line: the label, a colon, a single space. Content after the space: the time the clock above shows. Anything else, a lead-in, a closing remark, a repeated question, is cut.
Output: 1:07
